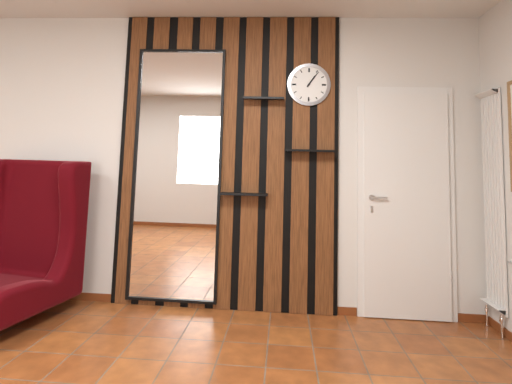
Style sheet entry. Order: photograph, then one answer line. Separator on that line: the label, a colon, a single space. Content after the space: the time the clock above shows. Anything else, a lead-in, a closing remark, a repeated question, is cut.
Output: 1:06
